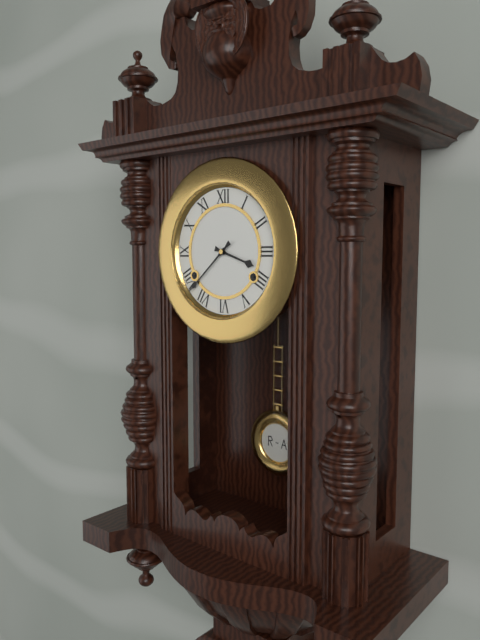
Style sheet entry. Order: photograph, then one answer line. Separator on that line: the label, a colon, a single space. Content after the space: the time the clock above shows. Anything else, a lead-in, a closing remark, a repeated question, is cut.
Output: 3:38
